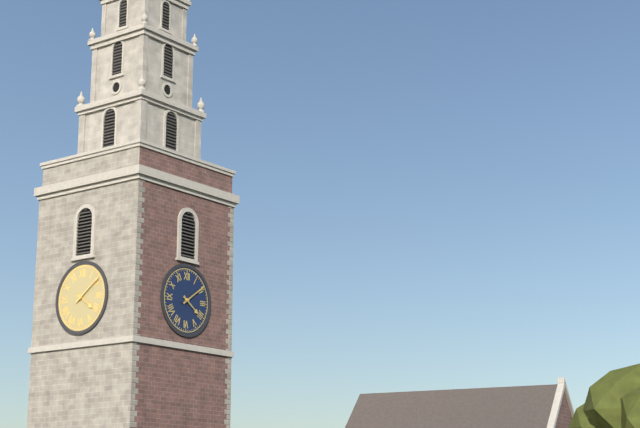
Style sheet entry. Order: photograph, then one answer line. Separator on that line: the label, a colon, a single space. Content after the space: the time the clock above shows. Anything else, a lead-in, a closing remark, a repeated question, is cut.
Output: 4:09
